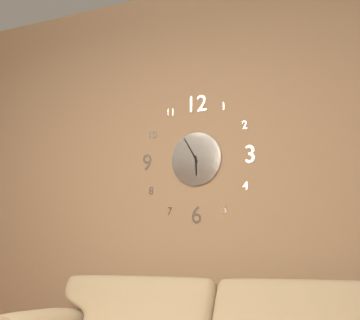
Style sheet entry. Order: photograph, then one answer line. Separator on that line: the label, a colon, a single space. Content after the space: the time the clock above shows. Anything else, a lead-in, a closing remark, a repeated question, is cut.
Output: 5:55
